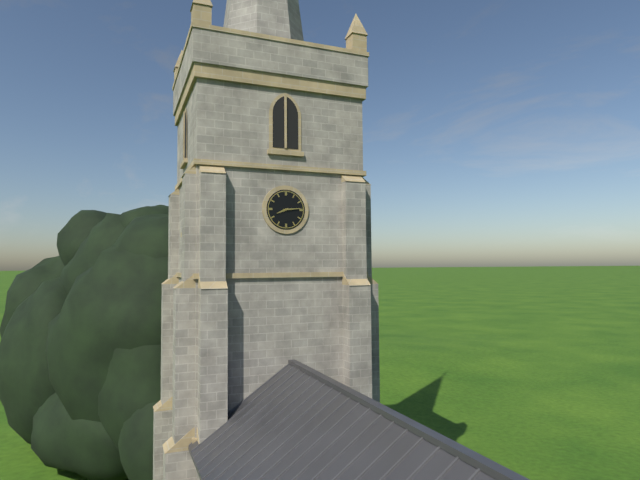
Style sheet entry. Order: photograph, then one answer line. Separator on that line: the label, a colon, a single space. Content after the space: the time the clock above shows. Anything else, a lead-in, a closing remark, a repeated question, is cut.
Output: 8:14
